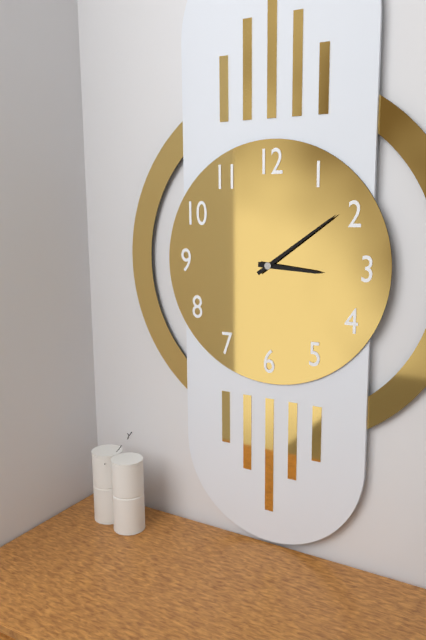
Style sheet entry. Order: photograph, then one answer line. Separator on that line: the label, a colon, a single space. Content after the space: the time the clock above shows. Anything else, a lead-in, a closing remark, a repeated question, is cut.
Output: 3:09
